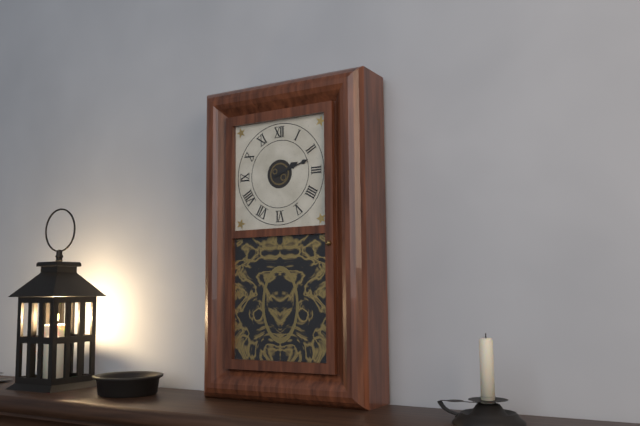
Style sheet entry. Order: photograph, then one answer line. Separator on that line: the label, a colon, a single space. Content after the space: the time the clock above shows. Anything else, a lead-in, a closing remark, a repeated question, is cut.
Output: 2:12
